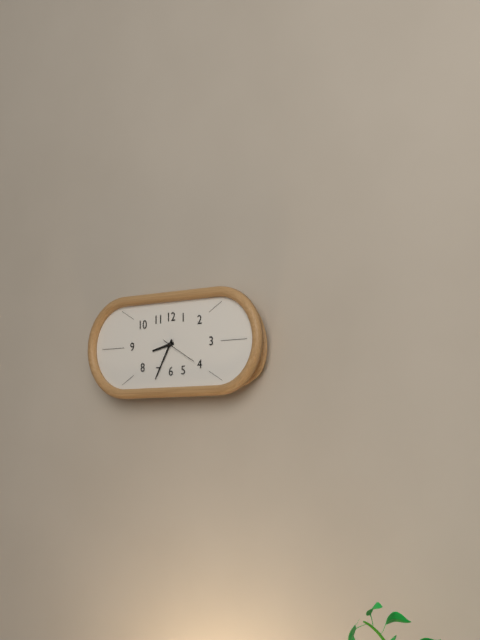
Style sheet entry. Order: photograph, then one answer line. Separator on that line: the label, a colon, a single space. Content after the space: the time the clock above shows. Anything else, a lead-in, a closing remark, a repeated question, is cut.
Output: 8:35
